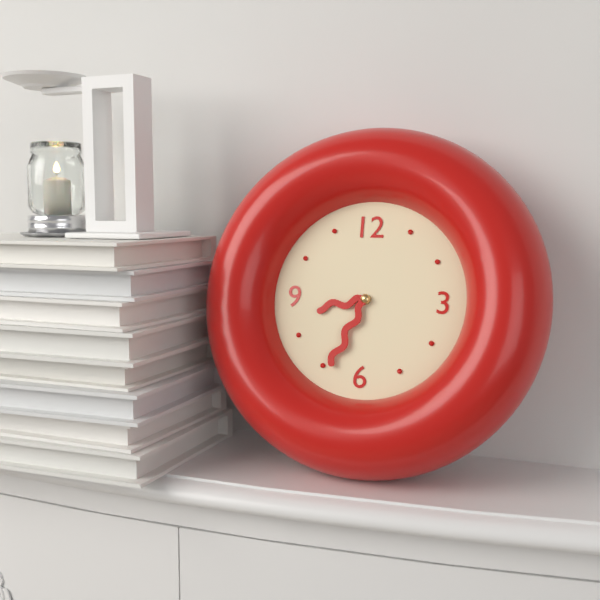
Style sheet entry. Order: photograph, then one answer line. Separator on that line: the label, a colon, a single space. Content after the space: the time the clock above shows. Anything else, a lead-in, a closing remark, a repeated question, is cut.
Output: 8:34
